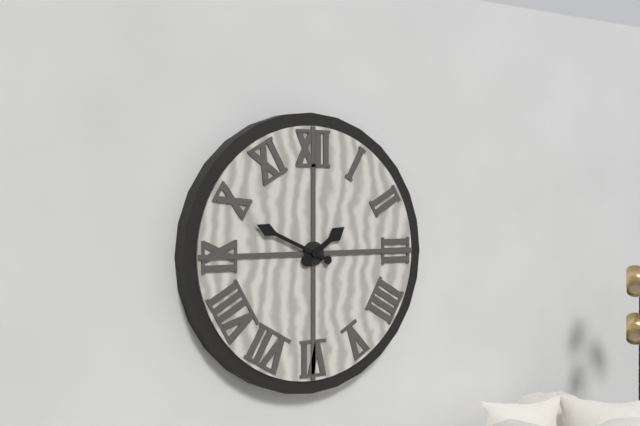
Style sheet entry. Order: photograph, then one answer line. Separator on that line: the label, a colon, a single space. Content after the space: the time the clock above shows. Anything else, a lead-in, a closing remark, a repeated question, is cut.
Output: 1:49
